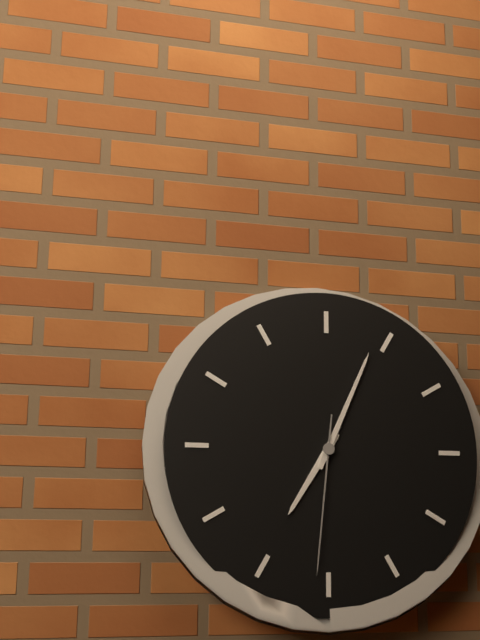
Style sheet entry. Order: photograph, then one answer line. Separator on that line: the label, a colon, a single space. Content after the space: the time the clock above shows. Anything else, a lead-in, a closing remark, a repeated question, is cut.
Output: 7:04:31
